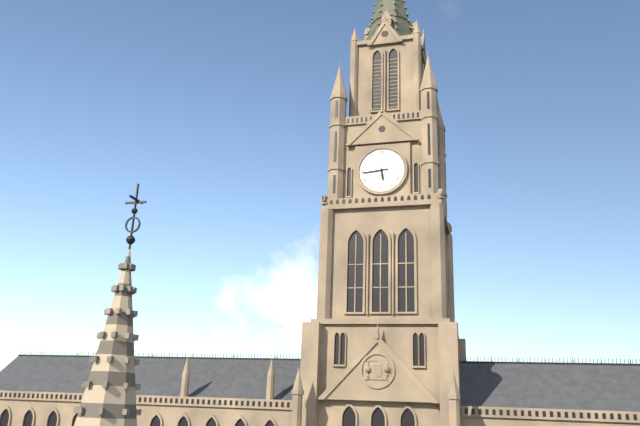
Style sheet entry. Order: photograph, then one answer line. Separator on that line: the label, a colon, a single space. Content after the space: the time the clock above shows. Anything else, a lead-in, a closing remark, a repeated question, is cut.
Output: 5:44
